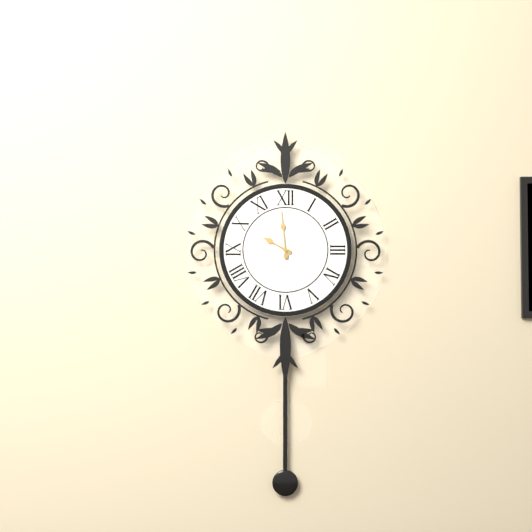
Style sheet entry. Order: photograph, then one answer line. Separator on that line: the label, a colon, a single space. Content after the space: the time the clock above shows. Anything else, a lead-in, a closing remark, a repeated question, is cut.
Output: 9:59
